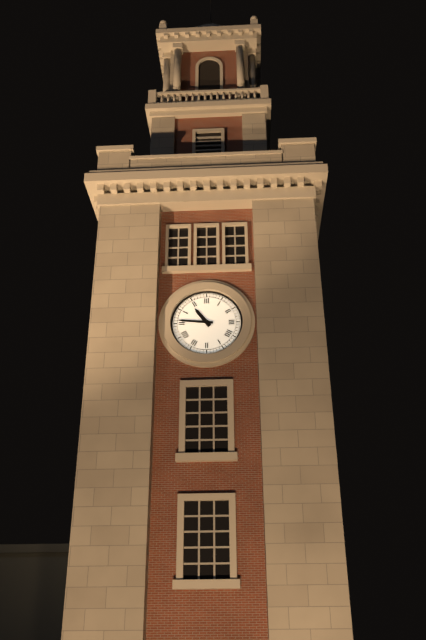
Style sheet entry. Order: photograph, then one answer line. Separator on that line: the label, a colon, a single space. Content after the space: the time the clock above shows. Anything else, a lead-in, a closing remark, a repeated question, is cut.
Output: 10:46
